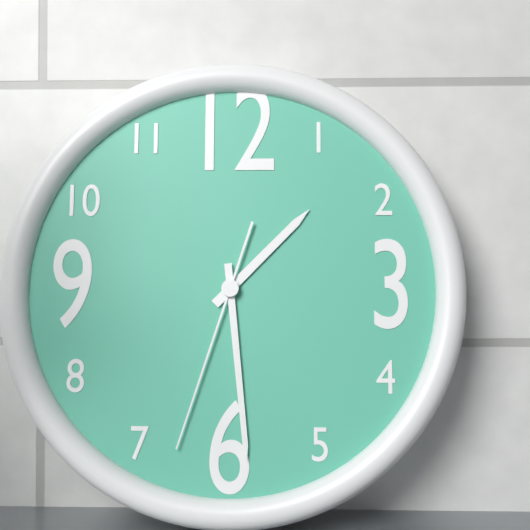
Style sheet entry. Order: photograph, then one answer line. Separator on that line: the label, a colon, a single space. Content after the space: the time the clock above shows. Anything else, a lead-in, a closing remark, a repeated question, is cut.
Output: 1:29:33
